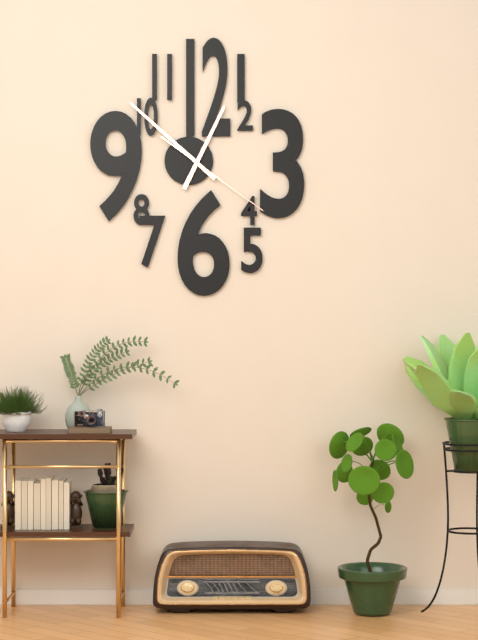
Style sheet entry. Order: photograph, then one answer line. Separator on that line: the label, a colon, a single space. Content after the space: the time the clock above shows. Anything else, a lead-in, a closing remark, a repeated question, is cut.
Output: 12:52:21
